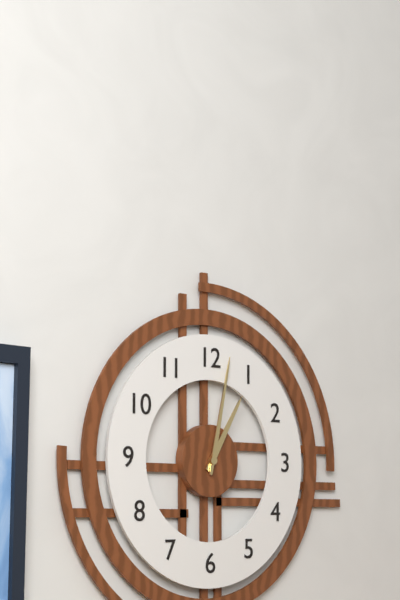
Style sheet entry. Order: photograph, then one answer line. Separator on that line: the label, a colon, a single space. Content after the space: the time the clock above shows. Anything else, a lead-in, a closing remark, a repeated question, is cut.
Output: 1:02
